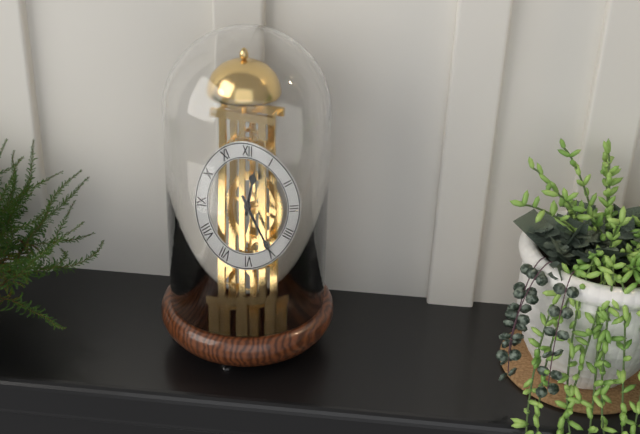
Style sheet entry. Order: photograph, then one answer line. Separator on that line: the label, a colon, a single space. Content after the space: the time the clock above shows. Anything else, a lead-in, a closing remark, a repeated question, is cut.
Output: 12:25
